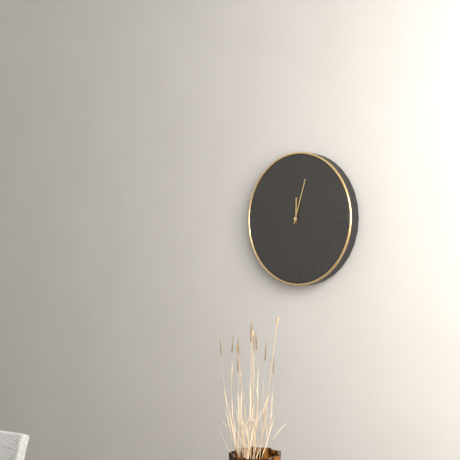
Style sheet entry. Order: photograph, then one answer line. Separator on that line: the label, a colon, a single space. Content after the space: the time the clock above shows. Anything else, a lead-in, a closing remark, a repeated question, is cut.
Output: 12:03
